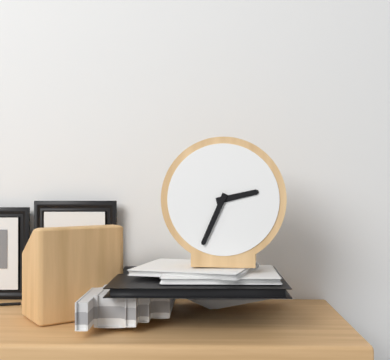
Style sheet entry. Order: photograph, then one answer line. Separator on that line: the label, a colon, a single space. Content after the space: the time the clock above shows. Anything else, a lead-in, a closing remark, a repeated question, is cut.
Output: 2:34
